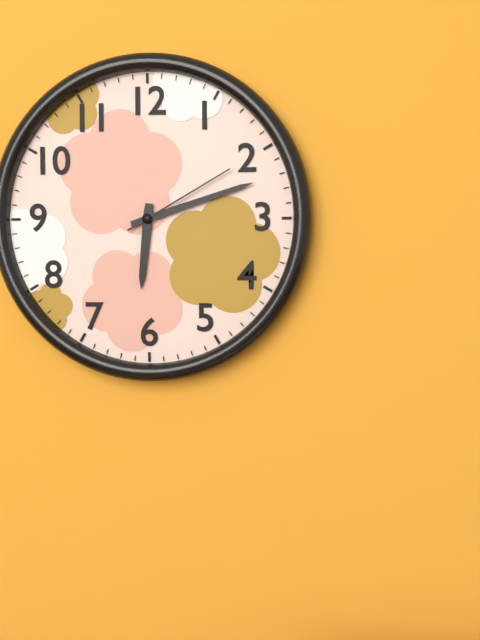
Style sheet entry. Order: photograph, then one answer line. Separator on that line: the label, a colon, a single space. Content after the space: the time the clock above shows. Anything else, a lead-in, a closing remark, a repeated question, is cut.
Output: 6:12:10
